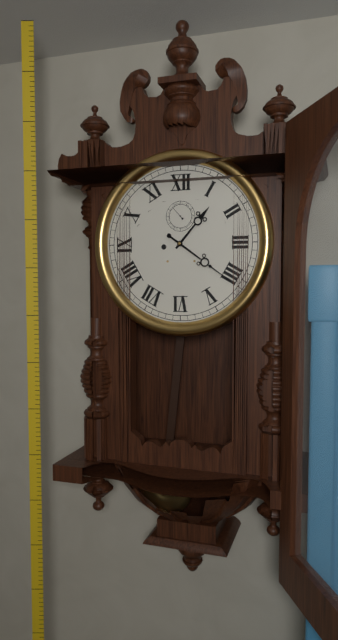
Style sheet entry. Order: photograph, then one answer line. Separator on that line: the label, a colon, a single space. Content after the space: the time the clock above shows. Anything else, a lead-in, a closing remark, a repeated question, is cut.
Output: 1:21
